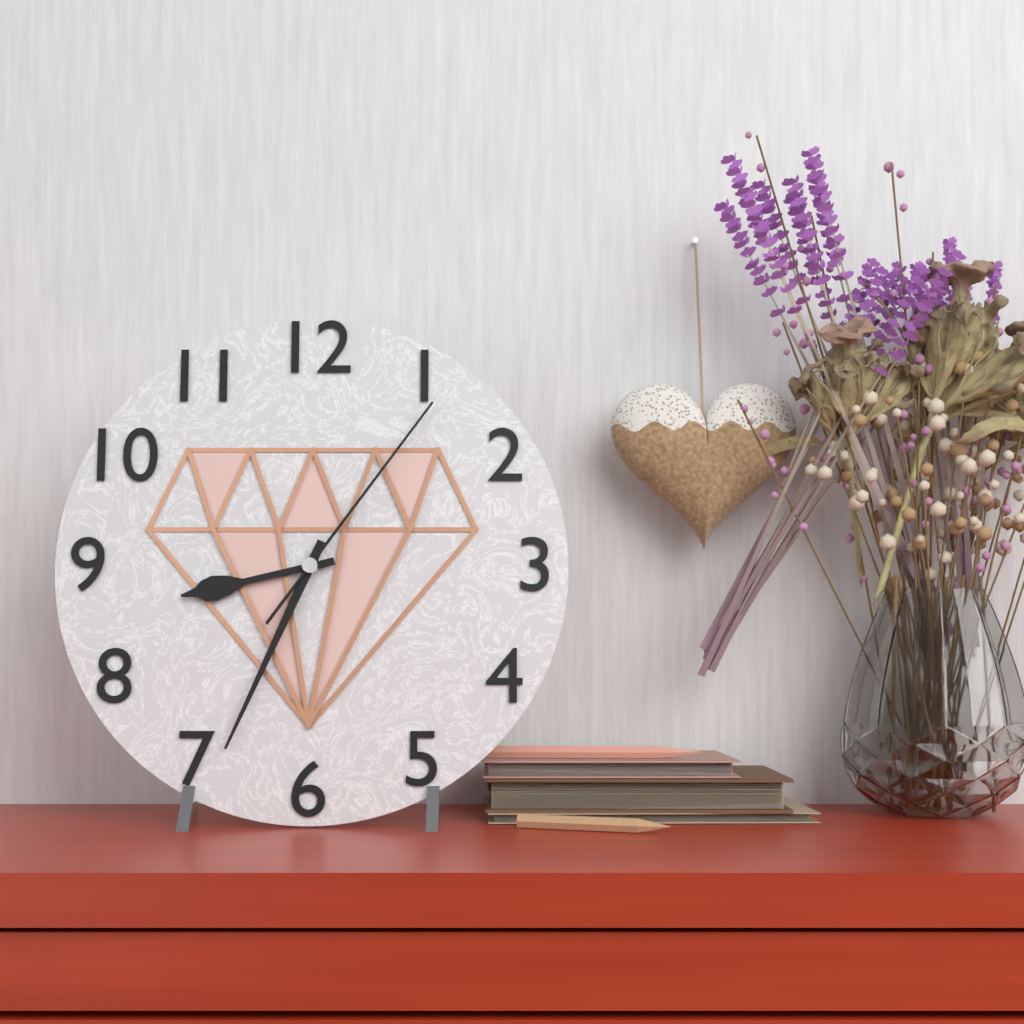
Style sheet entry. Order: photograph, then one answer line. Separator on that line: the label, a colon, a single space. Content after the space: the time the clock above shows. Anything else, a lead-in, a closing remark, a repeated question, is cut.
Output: 8:34:06
